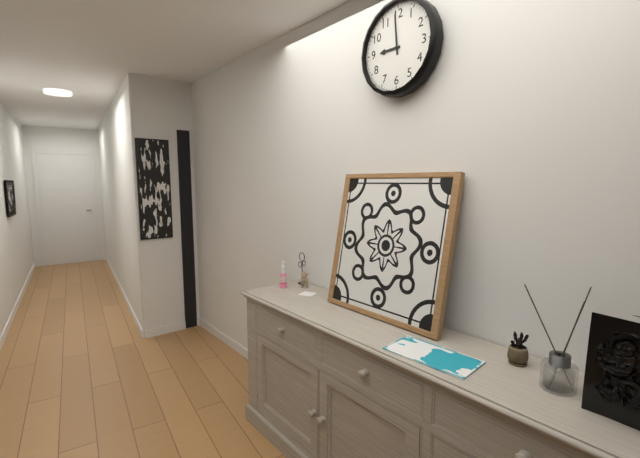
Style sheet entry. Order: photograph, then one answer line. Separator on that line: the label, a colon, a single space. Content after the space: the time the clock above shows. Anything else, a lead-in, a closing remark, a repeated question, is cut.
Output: 8:59
